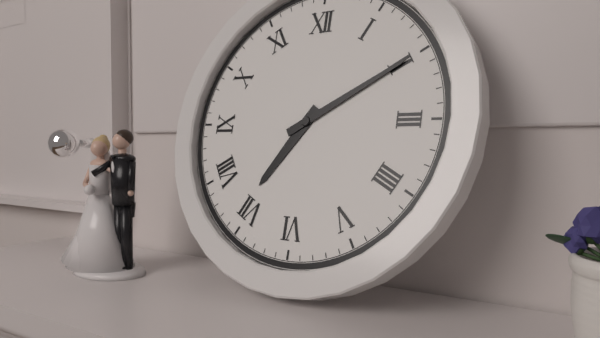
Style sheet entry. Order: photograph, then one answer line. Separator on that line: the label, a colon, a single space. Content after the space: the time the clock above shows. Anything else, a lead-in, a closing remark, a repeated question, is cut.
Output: 7:10
